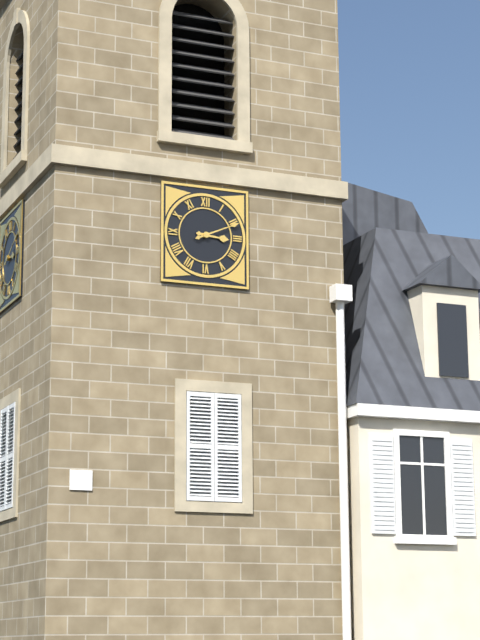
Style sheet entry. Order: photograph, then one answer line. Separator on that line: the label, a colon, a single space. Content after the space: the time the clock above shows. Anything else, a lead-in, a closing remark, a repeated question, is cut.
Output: 3:11
